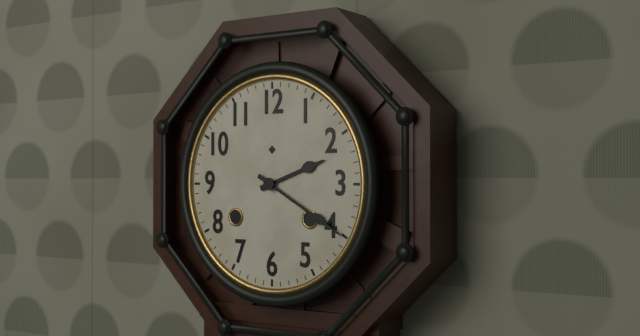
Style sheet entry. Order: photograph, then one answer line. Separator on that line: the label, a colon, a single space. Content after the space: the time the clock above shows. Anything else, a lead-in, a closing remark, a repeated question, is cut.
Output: 2:20
